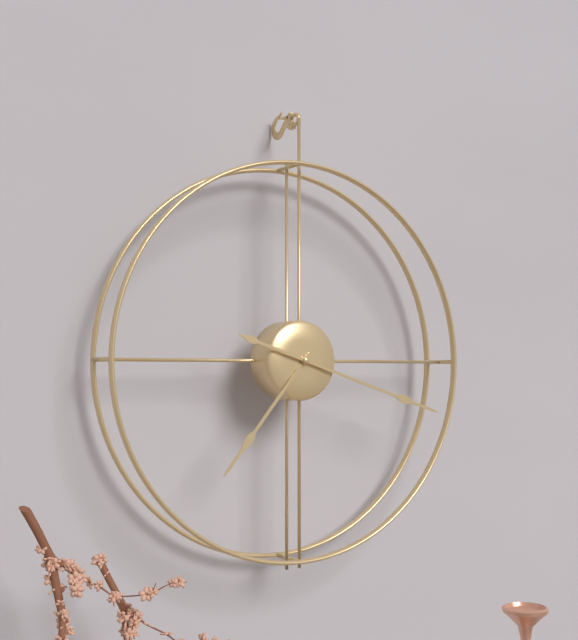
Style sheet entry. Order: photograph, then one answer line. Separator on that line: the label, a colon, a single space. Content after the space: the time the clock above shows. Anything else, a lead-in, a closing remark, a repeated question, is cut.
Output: 7:18
